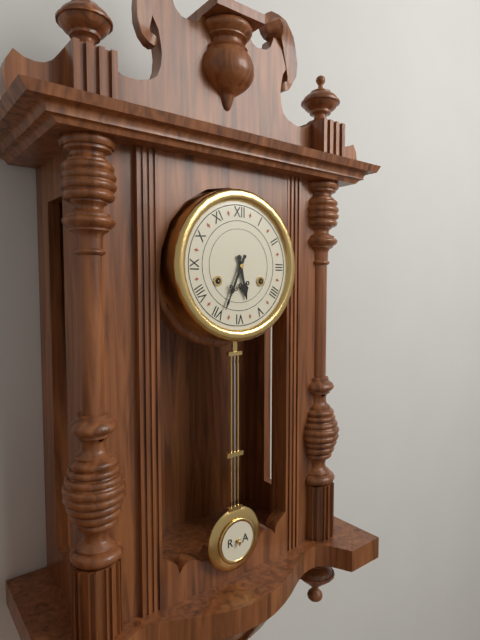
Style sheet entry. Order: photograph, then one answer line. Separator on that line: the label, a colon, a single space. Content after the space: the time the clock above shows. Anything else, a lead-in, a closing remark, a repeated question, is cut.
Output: 5:34
